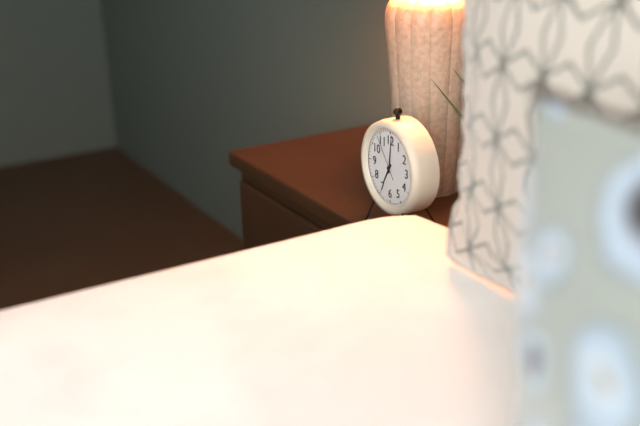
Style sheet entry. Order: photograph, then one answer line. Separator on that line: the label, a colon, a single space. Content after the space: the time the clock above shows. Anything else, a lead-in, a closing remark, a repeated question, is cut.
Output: 7:01
